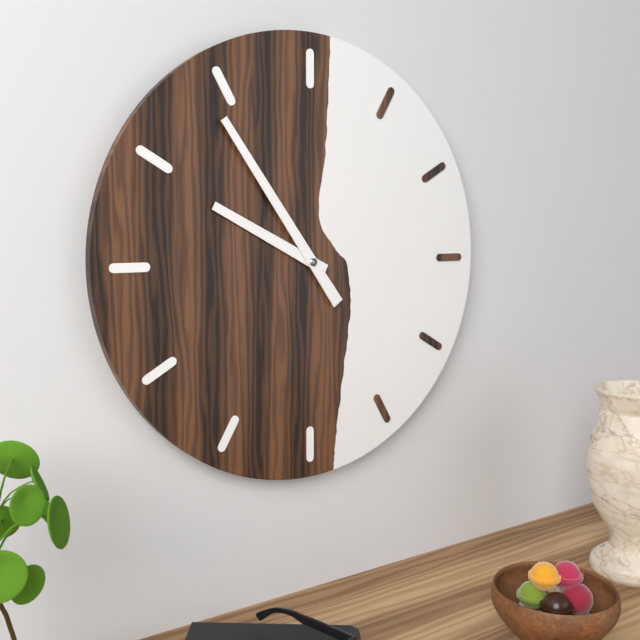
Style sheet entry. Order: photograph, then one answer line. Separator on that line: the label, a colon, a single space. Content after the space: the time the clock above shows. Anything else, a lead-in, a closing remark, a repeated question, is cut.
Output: 9:54
